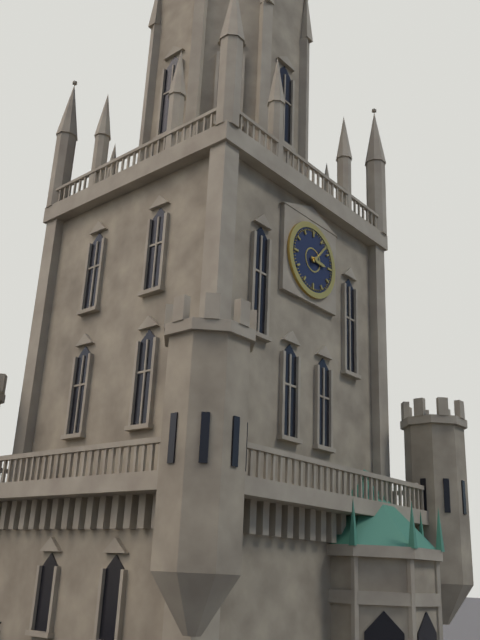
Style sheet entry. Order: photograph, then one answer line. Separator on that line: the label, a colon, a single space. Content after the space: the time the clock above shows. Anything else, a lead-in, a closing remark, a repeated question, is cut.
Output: 3:07
